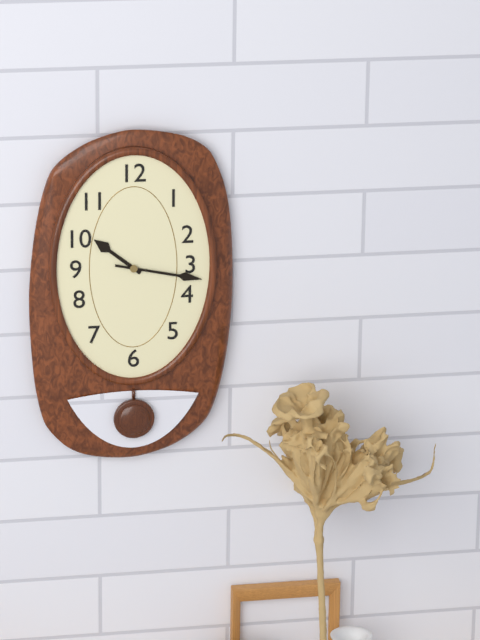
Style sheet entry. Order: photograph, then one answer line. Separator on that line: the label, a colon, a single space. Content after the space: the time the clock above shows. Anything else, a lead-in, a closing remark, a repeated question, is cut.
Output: 10:17
